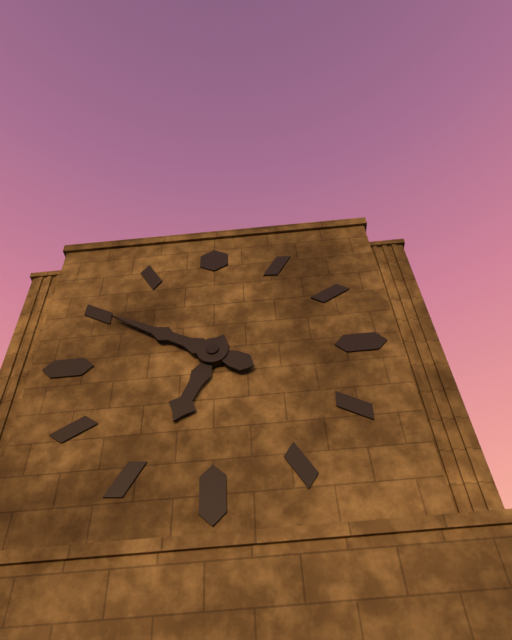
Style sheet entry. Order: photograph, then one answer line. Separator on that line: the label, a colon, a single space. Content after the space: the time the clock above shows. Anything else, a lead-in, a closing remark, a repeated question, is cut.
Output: 6:50
